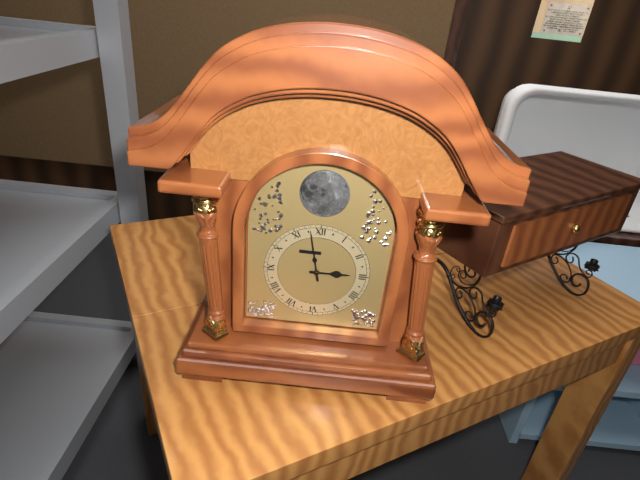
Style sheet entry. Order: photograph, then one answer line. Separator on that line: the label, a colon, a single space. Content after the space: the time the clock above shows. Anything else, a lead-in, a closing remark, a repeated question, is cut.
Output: 2:58
